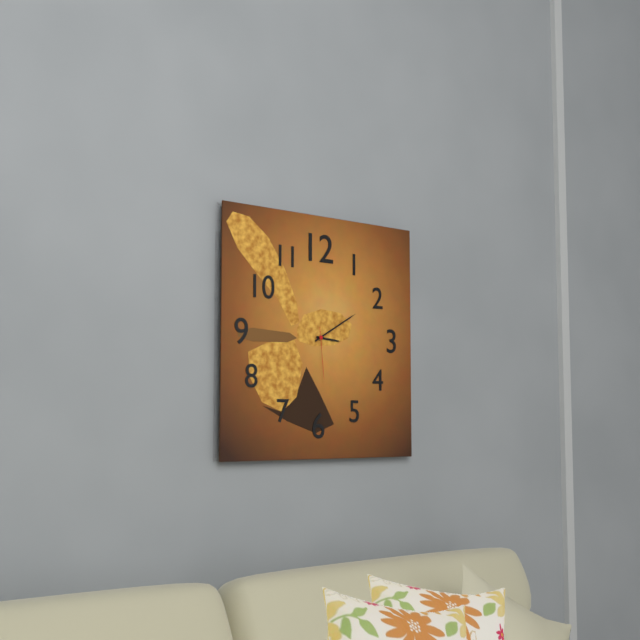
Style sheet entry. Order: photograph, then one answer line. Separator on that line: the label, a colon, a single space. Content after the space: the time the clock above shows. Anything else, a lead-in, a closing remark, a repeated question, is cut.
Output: 3:10:29
